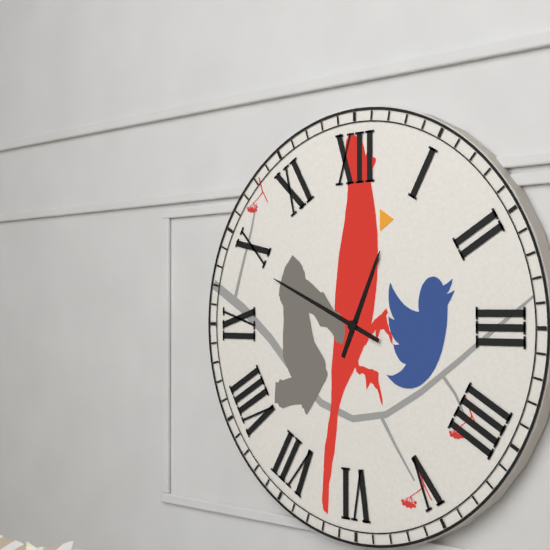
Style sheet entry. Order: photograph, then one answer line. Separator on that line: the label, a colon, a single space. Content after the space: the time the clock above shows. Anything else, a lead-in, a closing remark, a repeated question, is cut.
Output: 12:49
